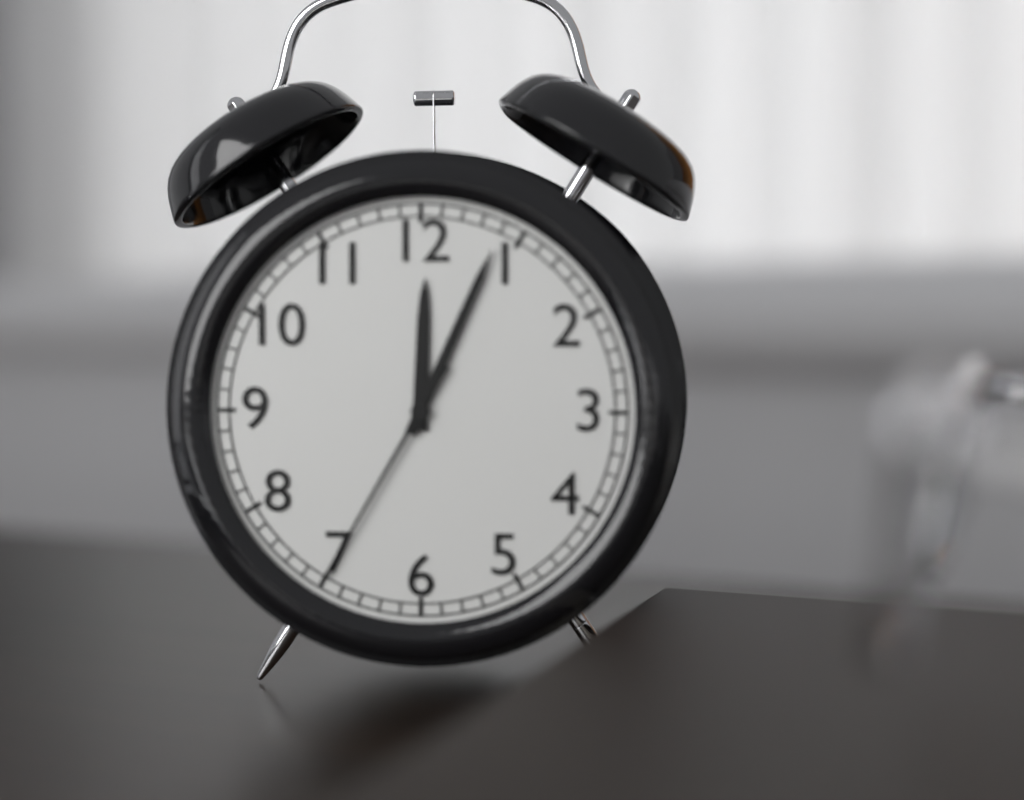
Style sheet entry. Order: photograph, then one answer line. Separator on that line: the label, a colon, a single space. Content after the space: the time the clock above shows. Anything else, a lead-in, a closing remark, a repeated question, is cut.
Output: 12:04:35
